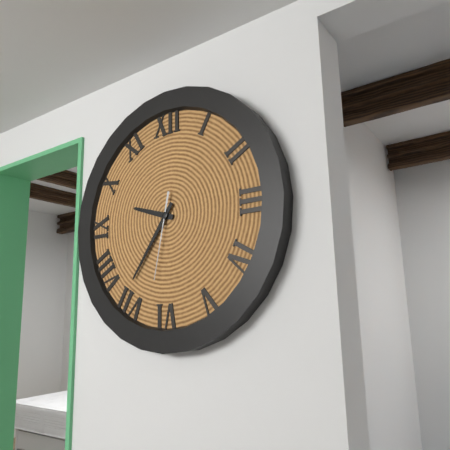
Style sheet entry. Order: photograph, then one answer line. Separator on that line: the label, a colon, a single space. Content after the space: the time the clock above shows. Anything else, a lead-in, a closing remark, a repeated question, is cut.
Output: 9:36:32
